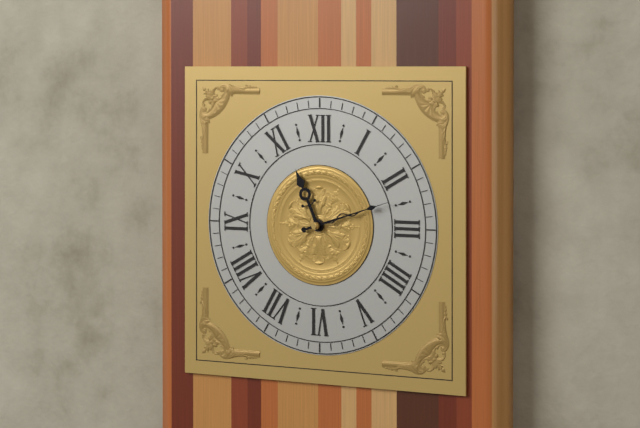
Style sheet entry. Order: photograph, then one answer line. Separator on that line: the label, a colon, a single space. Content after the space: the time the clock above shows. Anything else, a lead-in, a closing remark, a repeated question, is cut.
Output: 11:12
